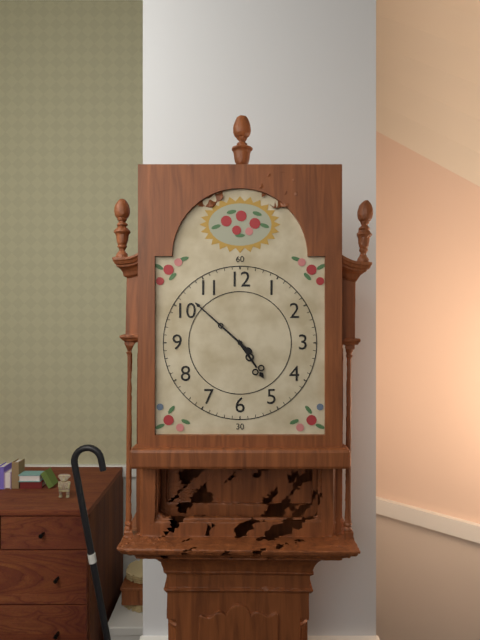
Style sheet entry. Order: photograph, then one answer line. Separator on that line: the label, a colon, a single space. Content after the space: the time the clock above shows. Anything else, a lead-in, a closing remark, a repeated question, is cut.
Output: 4:52
